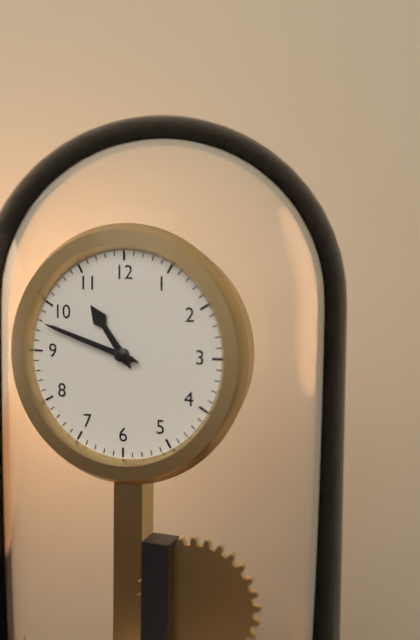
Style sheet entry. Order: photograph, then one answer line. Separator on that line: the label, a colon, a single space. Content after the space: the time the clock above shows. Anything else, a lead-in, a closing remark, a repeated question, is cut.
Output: 10:48
